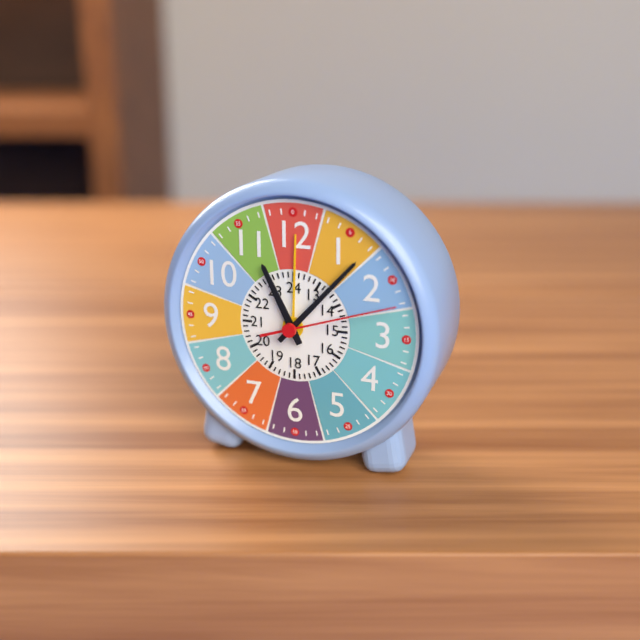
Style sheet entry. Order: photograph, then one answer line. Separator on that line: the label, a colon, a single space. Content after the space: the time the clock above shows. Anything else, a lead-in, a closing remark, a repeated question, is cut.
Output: 11:07:12
